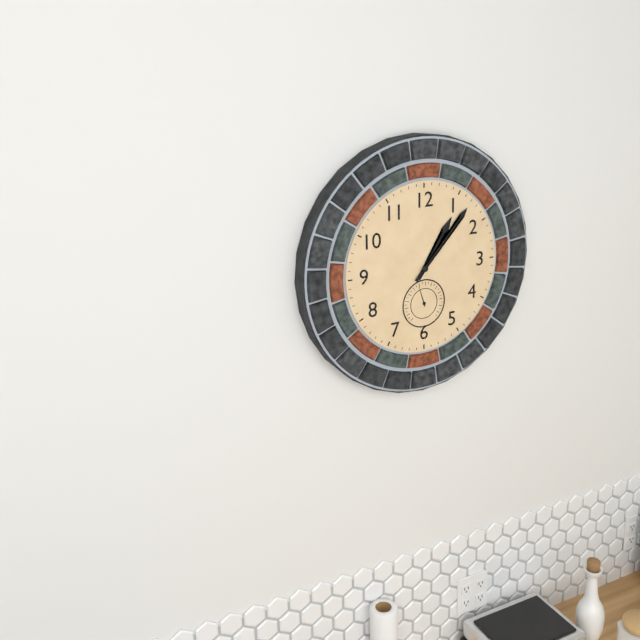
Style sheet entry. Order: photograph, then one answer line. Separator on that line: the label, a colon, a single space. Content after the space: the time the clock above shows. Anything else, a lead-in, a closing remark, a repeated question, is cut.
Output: 1:07
